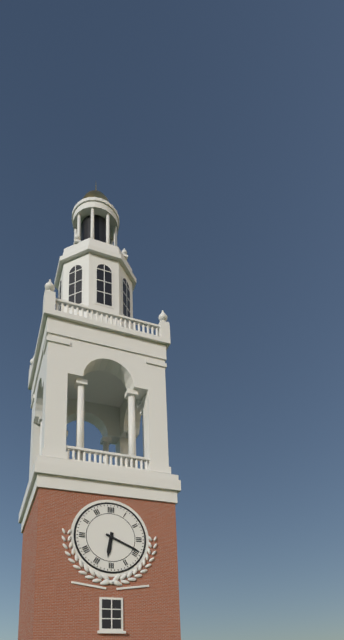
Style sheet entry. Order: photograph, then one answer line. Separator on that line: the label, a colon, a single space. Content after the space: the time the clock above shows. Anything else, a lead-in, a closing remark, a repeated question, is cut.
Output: 6:19
